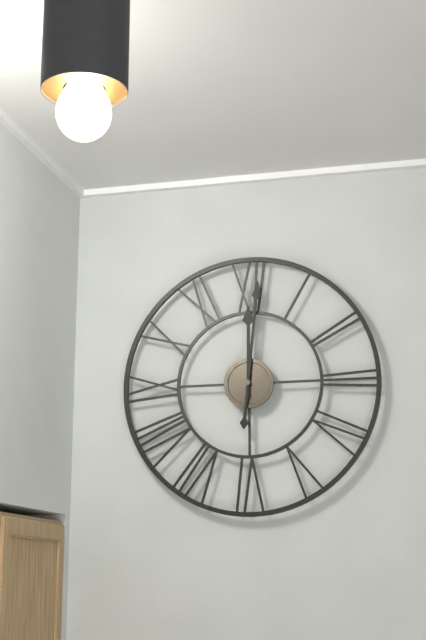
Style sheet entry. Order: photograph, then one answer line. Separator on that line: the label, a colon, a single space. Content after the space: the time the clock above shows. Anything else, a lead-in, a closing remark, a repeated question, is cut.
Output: 12:01
